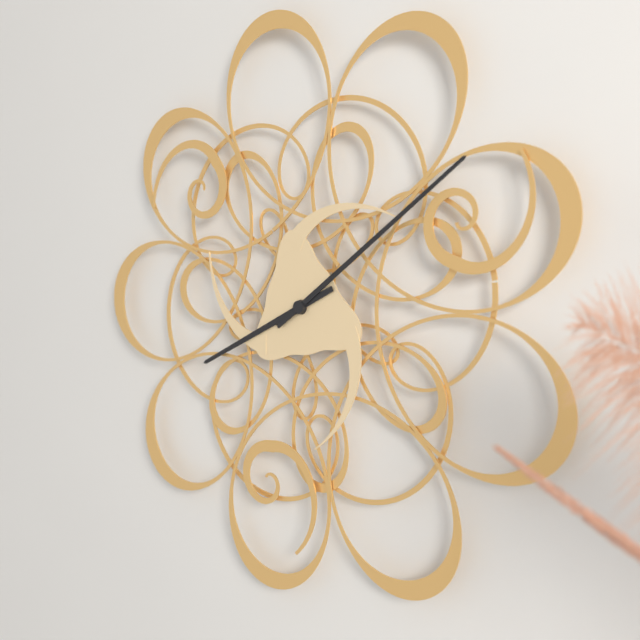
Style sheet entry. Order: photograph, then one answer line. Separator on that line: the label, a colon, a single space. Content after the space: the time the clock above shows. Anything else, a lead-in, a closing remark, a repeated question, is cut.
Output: 8:09
